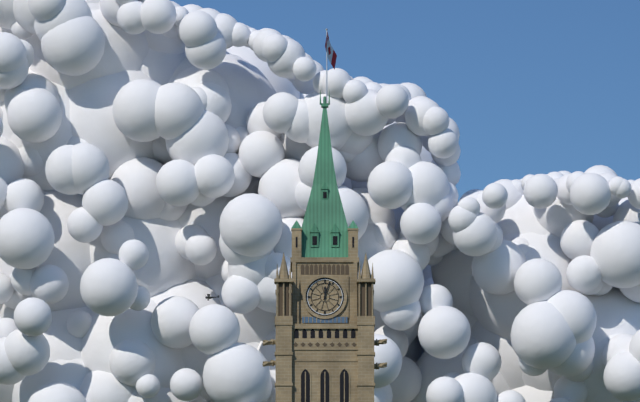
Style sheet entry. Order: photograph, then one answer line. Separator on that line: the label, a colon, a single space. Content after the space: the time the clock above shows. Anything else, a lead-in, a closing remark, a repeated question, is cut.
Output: 12:03
